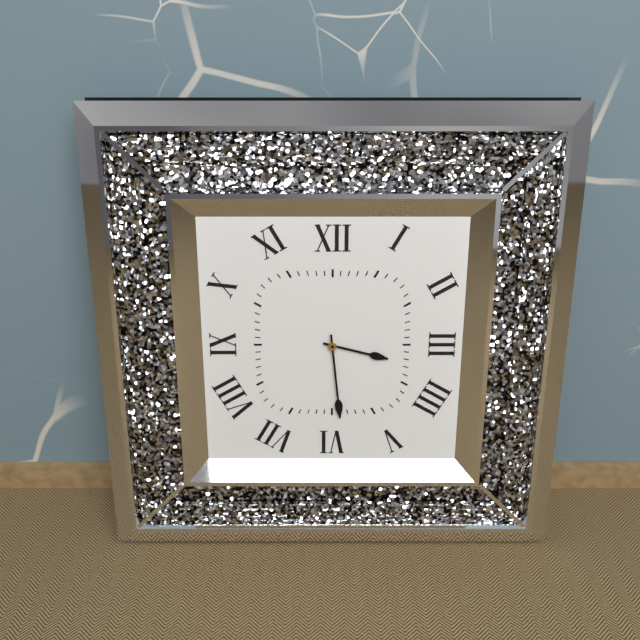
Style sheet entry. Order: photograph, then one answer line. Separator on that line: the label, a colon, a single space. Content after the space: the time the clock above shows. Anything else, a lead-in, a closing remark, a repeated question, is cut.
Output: 3:29
